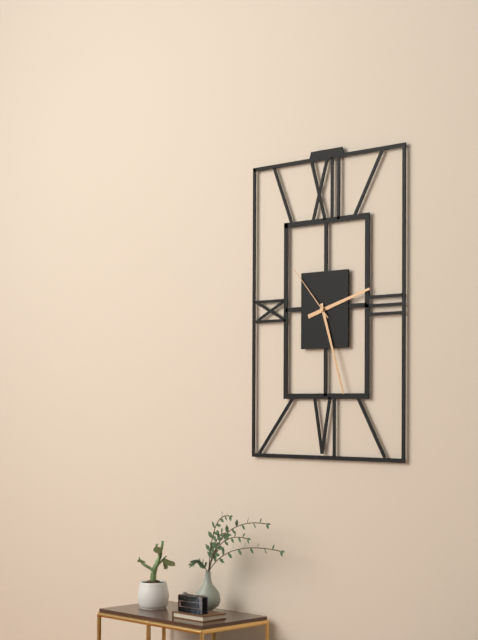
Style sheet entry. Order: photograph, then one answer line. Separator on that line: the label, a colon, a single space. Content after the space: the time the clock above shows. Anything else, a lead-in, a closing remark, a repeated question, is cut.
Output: 2:27:53
